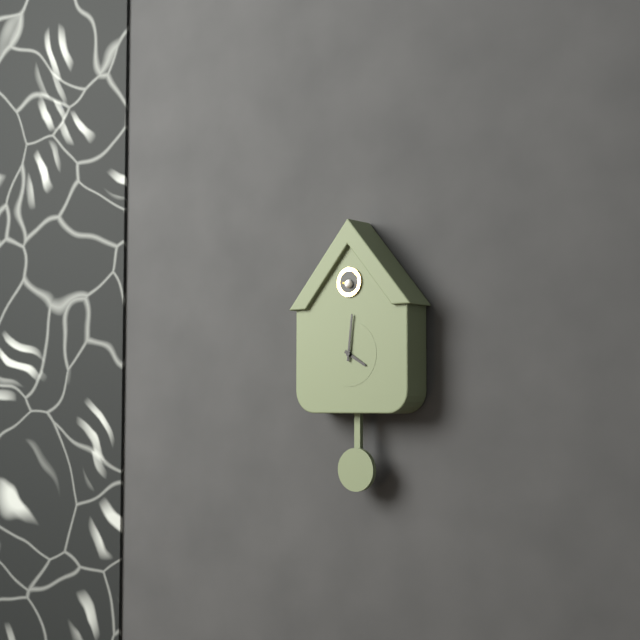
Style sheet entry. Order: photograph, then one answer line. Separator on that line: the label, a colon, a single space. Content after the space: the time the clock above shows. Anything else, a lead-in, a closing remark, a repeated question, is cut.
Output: 4:01
